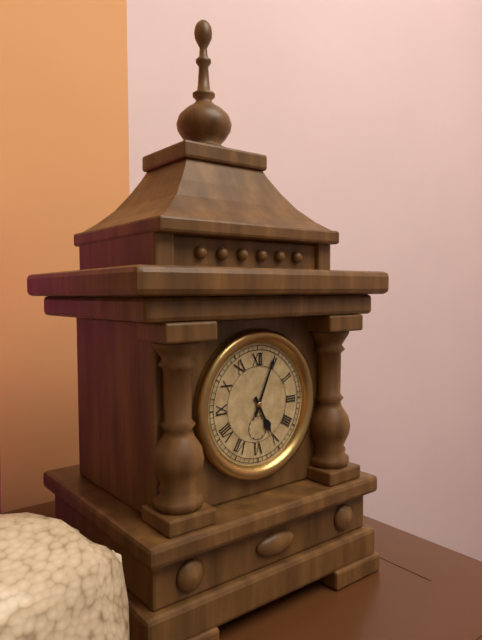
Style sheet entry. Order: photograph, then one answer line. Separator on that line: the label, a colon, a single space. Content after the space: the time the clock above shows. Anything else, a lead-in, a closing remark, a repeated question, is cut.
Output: 5:04
